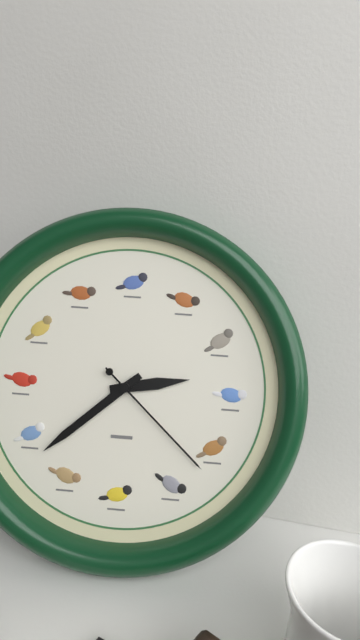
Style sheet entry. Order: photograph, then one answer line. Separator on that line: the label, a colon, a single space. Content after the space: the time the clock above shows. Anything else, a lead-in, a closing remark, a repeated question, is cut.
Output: 2:38:22
